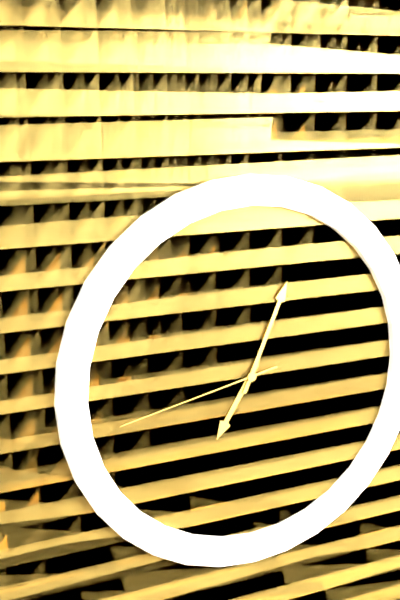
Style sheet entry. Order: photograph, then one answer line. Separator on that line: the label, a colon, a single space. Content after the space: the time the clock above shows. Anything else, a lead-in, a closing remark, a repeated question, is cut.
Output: 7:04:43
